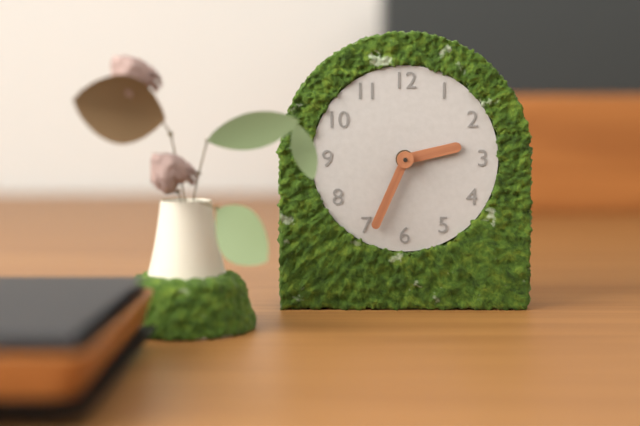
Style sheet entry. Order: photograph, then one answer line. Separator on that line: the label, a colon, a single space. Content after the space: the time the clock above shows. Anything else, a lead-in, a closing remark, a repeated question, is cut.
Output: 2:34
